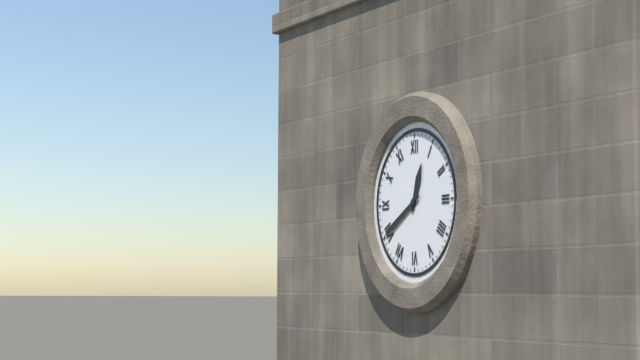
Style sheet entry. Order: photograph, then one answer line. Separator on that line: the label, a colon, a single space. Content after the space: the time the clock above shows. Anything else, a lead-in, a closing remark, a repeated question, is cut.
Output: 12:40
